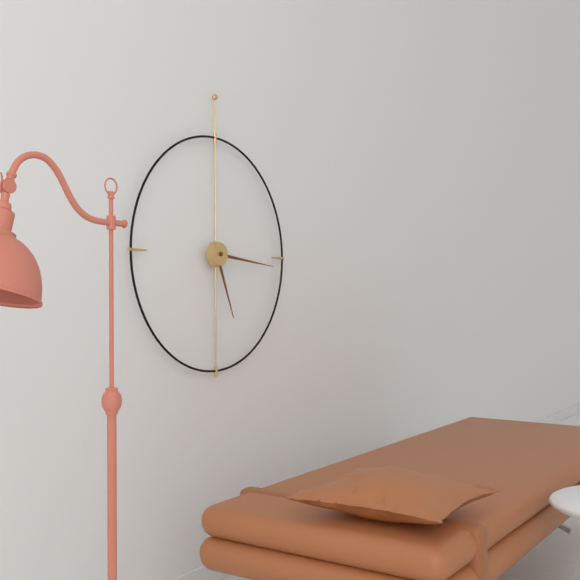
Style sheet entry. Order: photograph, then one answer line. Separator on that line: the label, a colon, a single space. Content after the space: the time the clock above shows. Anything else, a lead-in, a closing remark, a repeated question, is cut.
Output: 5:16
